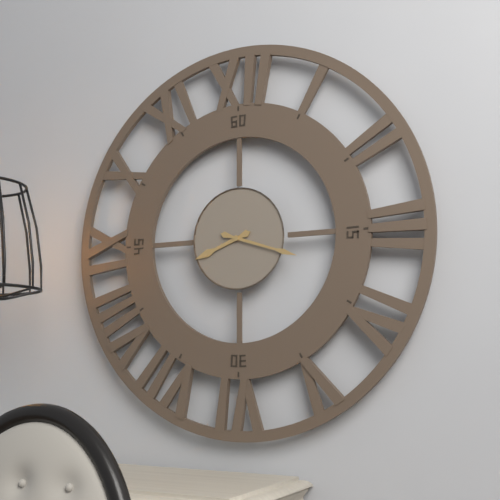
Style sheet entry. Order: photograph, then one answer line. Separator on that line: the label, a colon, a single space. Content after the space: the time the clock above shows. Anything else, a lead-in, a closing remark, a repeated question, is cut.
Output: 8:18
